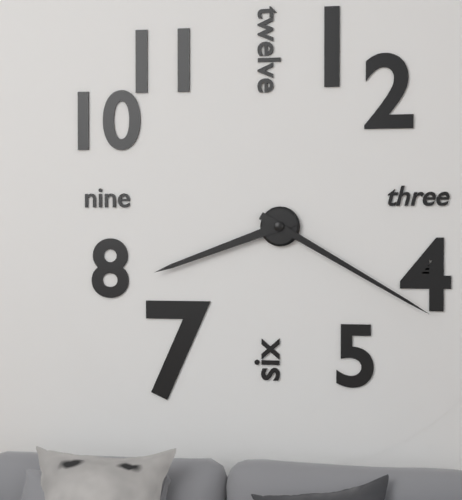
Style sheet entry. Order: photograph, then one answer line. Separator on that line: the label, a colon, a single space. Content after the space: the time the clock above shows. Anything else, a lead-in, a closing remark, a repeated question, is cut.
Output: 8:20
